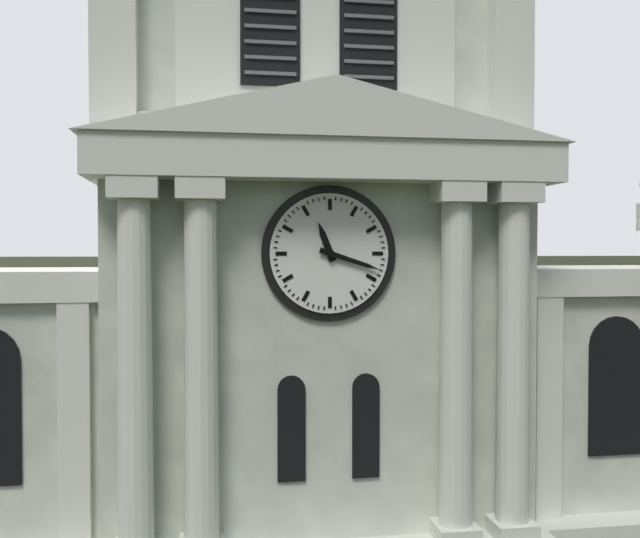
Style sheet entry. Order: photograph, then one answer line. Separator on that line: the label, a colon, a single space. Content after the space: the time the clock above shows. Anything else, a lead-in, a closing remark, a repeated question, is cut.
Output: 11:18
